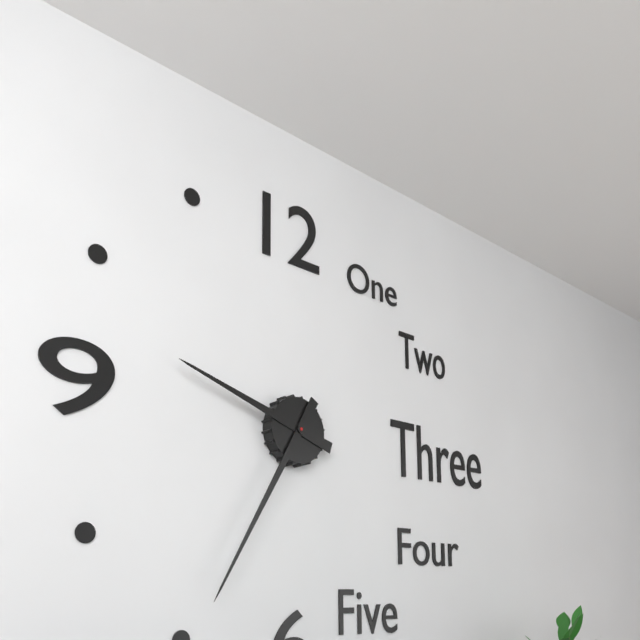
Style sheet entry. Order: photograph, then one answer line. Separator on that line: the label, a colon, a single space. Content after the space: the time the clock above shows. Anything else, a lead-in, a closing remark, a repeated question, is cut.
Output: 9:35
